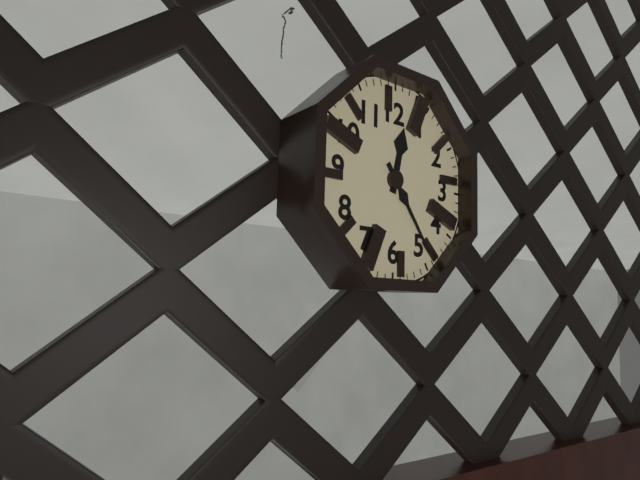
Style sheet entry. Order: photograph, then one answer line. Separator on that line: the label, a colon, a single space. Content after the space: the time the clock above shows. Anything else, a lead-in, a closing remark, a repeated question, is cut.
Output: 12:24
